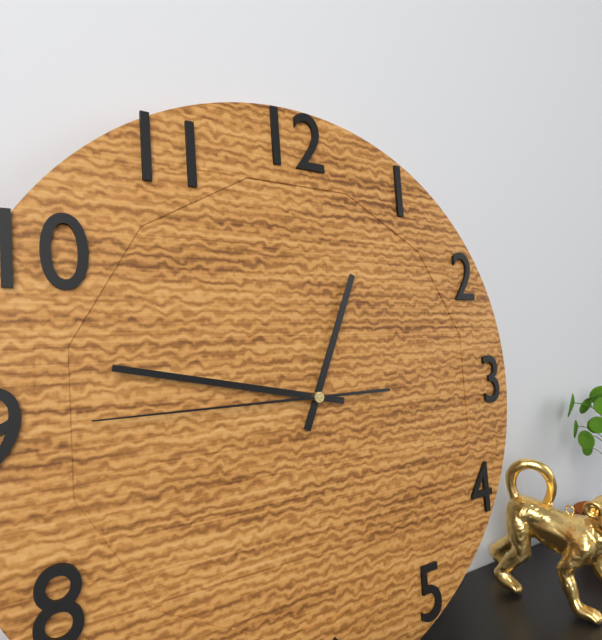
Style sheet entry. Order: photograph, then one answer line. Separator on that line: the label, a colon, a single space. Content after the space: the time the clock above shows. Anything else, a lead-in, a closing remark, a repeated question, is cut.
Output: 12:47:45
